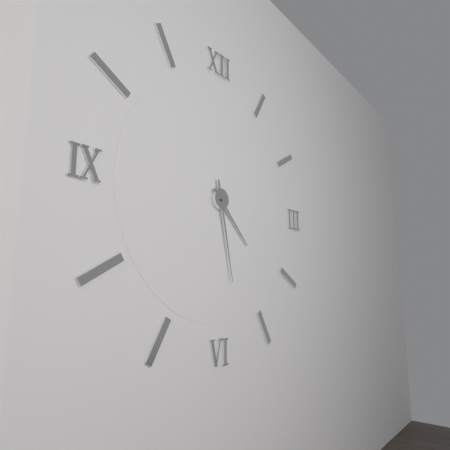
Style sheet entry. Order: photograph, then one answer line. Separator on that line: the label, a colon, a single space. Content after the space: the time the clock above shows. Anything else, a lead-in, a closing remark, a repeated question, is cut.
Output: 4:28
